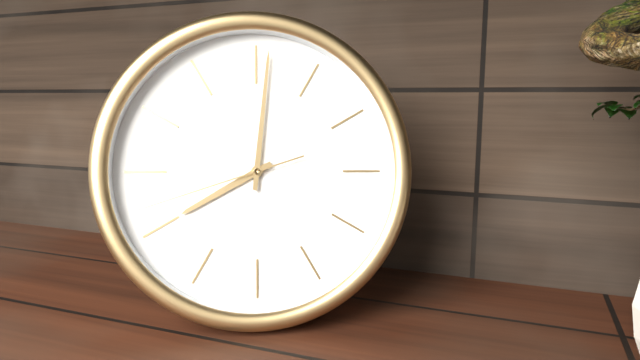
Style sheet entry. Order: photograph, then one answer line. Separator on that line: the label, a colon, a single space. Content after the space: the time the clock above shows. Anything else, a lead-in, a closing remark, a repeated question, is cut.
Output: 8:01:42
